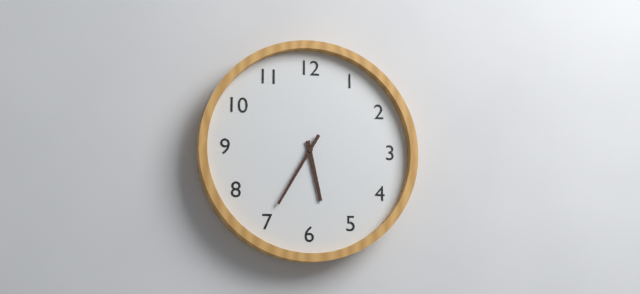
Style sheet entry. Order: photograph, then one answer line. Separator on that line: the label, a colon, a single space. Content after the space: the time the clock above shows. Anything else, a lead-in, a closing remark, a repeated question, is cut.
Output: 5:35
